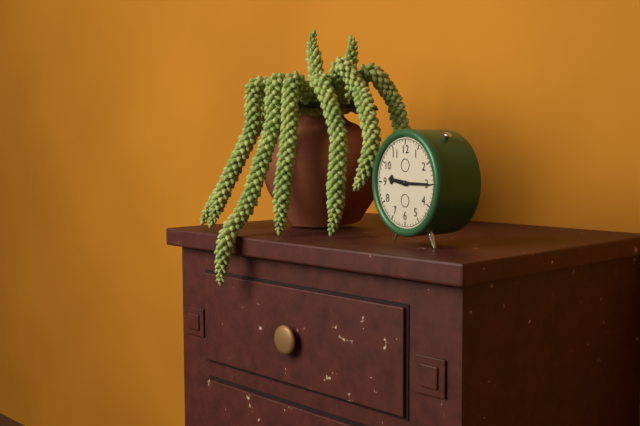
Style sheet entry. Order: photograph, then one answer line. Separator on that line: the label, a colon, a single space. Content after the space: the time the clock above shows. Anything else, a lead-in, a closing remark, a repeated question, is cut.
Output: 9:15
